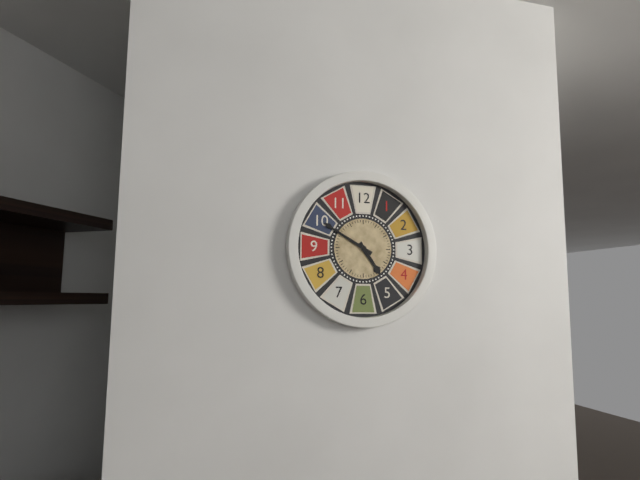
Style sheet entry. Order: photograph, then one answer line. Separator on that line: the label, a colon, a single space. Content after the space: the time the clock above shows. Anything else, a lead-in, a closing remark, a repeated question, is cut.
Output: 4:50
